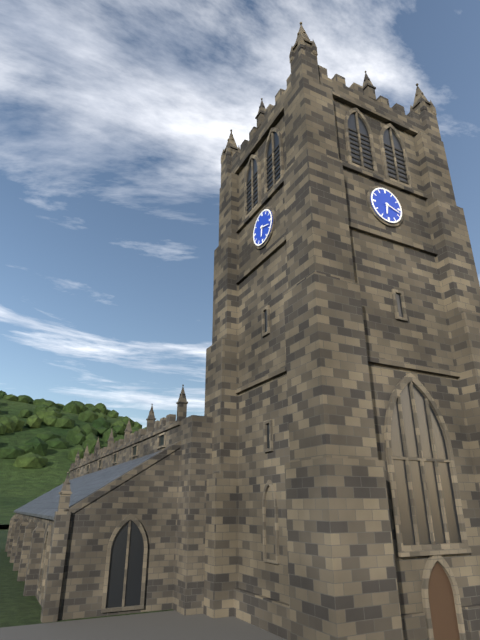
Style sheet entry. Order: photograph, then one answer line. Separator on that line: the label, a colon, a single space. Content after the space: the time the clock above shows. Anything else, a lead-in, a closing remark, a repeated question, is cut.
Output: 6:18
